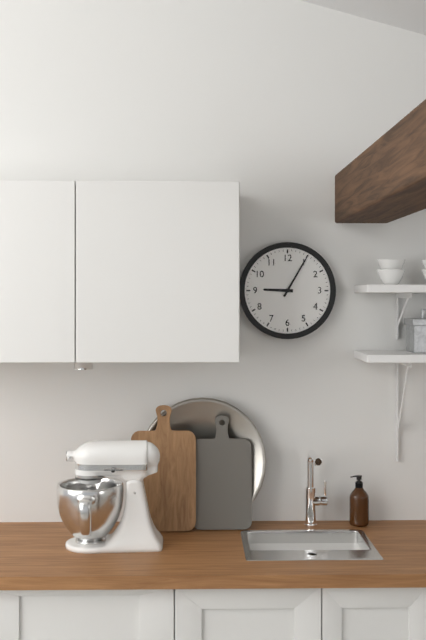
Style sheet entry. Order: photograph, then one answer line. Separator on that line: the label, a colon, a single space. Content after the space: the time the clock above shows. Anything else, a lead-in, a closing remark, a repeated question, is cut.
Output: 9:05
